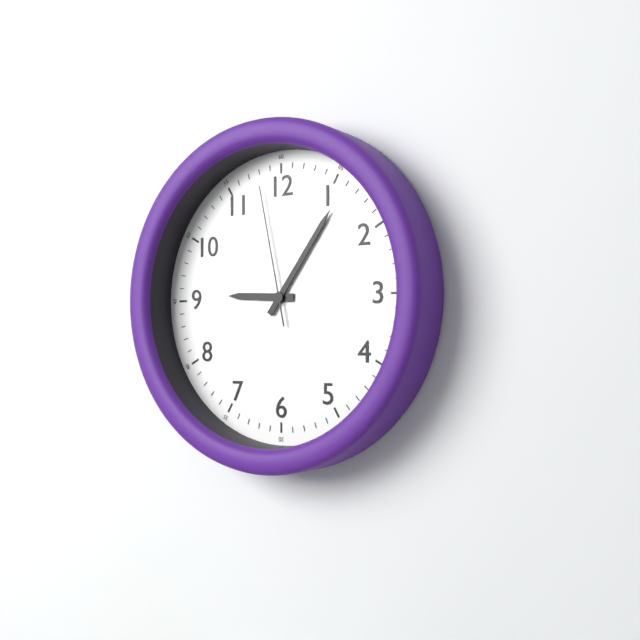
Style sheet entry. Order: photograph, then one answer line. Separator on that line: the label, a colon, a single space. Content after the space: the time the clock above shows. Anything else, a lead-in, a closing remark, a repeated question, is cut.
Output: 9:06:58
